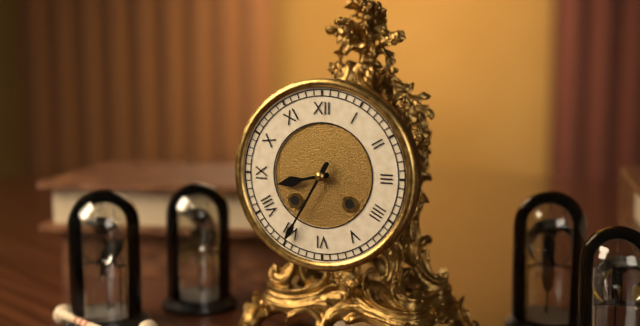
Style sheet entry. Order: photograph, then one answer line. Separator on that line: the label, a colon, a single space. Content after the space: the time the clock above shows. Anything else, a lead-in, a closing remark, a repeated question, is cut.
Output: 8:35
